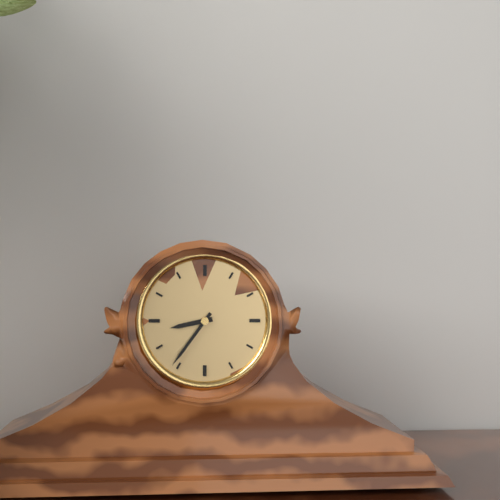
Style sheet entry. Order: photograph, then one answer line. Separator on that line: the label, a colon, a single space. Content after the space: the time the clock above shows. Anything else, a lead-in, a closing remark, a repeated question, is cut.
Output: 8:36
